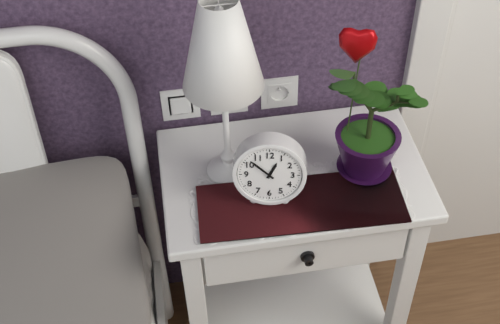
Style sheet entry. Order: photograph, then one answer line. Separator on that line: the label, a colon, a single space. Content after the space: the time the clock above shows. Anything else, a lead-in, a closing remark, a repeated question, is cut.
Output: 12:52
